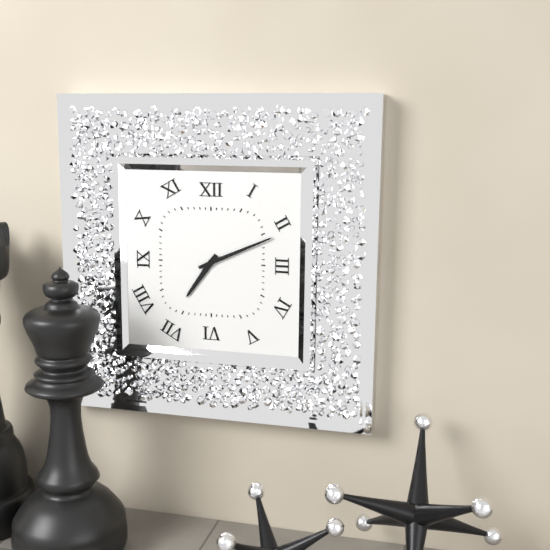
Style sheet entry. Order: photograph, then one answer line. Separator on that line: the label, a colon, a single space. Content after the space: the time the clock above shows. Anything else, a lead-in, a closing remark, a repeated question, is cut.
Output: 7:11
